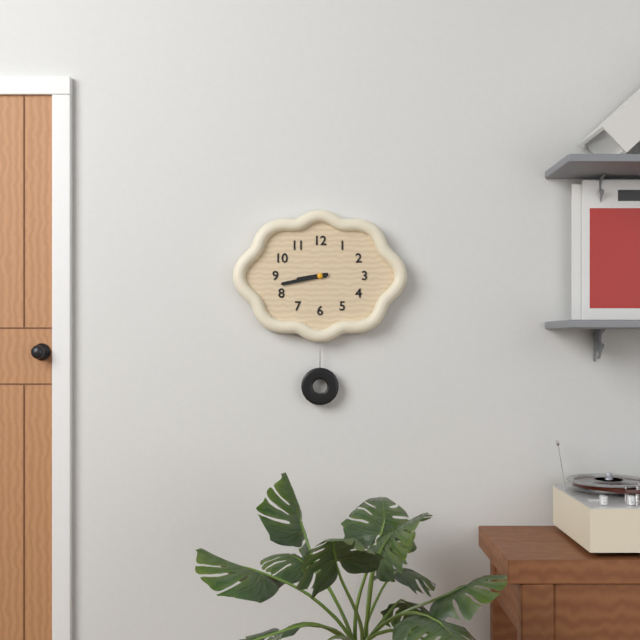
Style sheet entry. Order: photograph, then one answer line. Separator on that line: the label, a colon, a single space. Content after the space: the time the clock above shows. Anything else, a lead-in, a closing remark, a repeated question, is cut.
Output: 8:43
